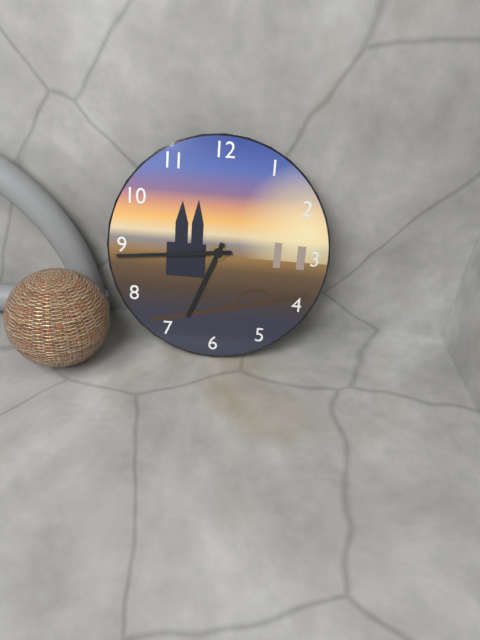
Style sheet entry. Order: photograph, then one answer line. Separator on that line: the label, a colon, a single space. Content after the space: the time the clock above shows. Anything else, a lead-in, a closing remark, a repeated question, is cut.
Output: 6:44
